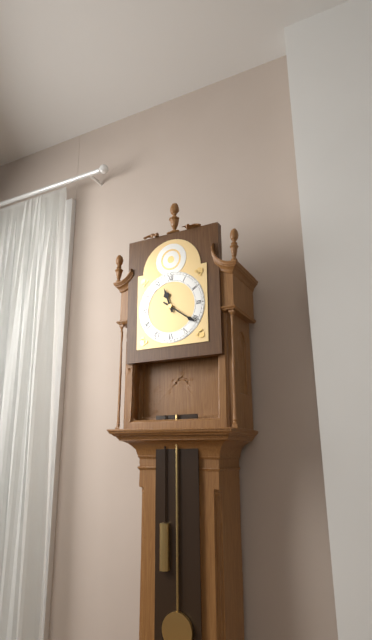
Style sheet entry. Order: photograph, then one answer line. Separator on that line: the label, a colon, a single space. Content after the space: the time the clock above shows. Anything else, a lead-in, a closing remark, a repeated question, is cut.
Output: 11:21
